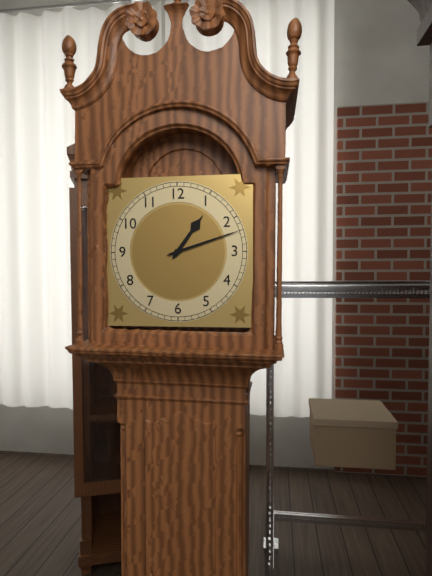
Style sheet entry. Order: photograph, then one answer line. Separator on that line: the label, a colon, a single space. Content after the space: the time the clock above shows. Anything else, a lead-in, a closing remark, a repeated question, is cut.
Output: 1:12
